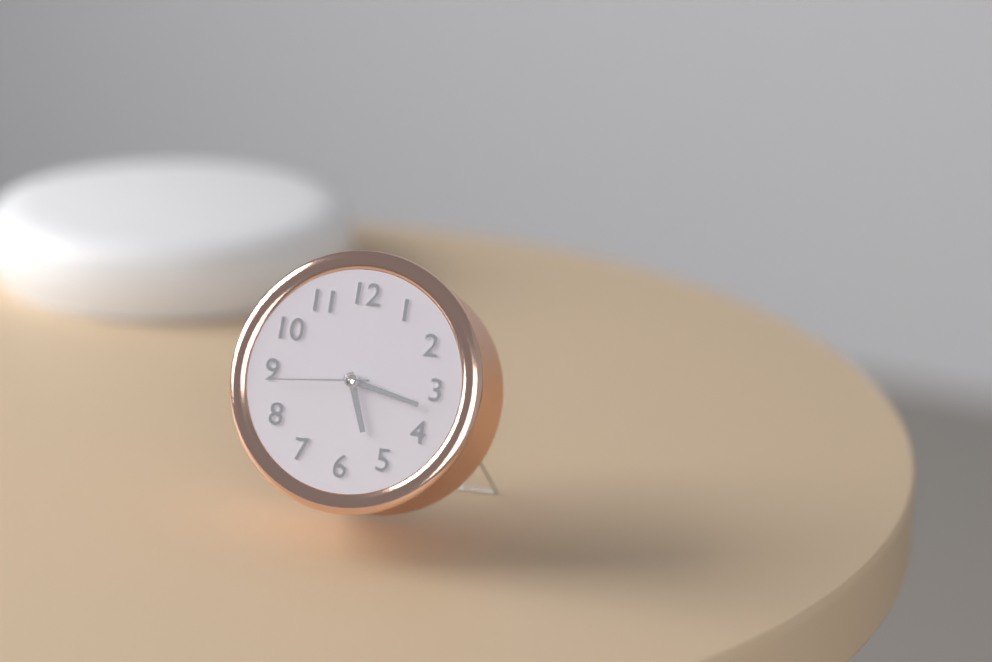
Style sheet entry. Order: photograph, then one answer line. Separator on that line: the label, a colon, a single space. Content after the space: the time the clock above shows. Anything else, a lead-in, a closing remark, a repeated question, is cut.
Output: 5:17:44
